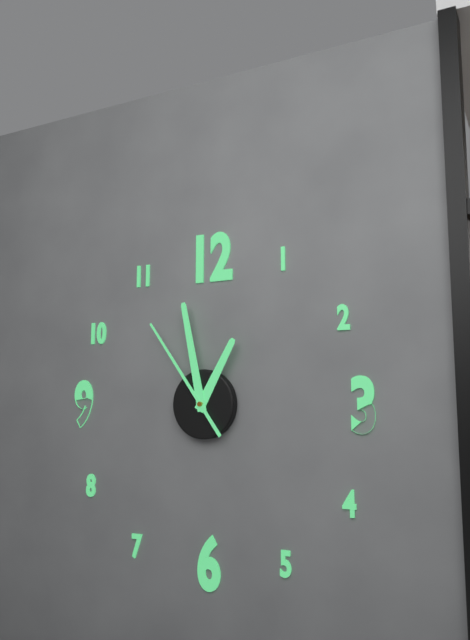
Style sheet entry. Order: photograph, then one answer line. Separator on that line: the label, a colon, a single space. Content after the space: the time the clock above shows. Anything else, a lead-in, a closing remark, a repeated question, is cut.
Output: 12:58:54
